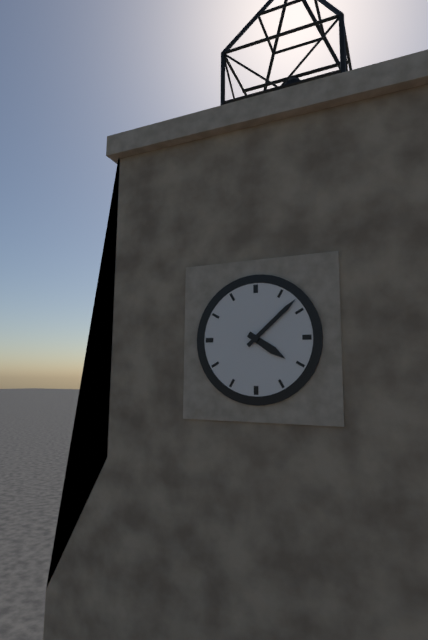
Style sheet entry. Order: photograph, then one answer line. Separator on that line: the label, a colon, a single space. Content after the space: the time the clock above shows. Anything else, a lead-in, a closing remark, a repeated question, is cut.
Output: 4:08
